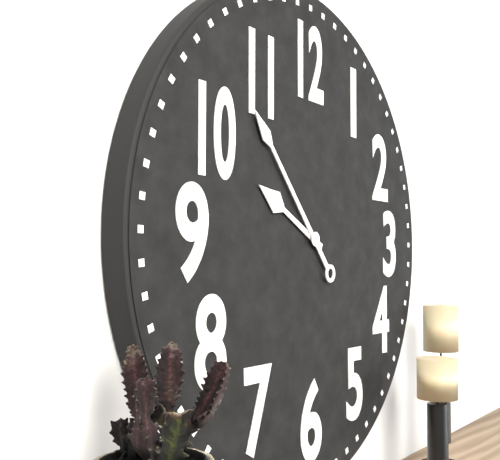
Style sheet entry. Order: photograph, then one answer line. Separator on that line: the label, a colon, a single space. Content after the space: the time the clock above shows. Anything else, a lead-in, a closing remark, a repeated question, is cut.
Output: 9:53
